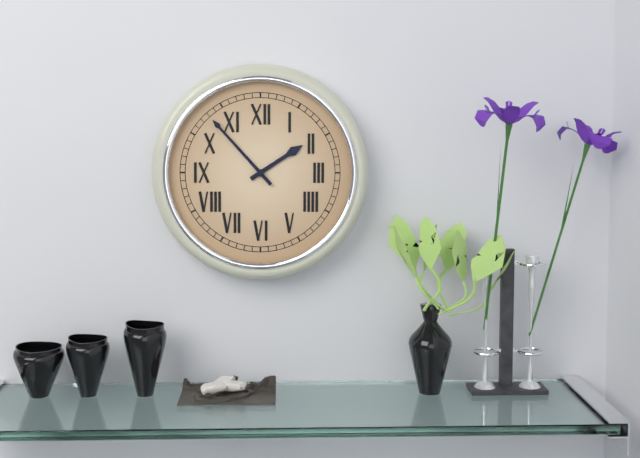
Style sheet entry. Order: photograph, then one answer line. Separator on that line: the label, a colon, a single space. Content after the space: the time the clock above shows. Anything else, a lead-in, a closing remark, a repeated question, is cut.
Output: 1:53
